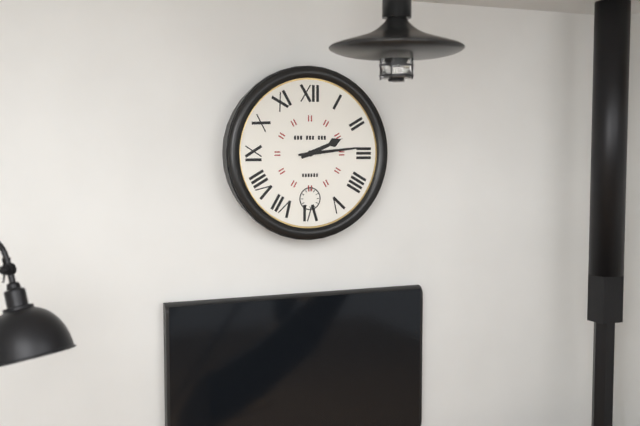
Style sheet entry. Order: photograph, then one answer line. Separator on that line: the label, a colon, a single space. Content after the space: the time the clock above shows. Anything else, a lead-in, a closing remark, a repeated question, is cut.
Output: 2:14
